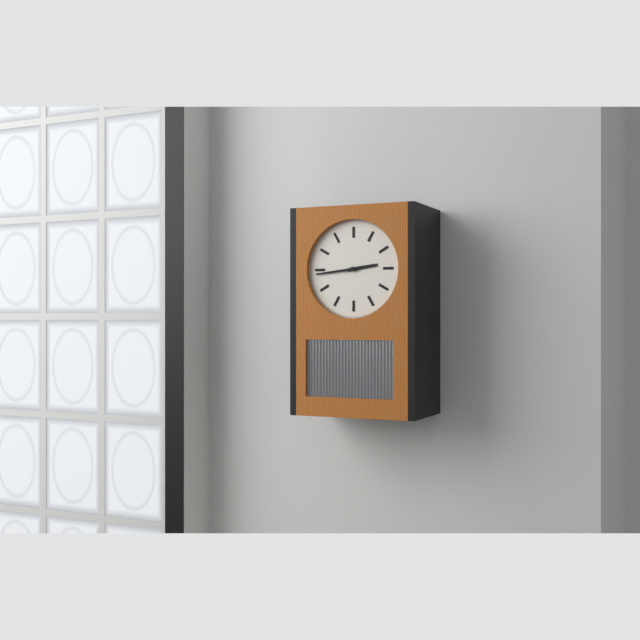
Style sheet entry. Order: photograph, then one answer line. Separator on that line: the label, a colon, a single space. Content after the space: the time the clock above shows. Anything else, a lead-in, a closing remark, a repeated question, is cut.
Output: 2:44
